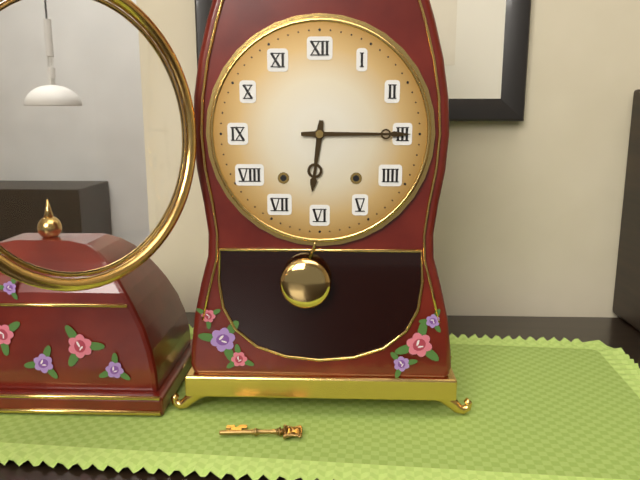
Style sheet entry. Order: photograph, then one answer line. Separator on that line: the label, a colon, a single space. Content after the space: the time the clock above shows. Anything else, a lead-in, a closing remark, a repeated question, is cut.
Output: 6:15
